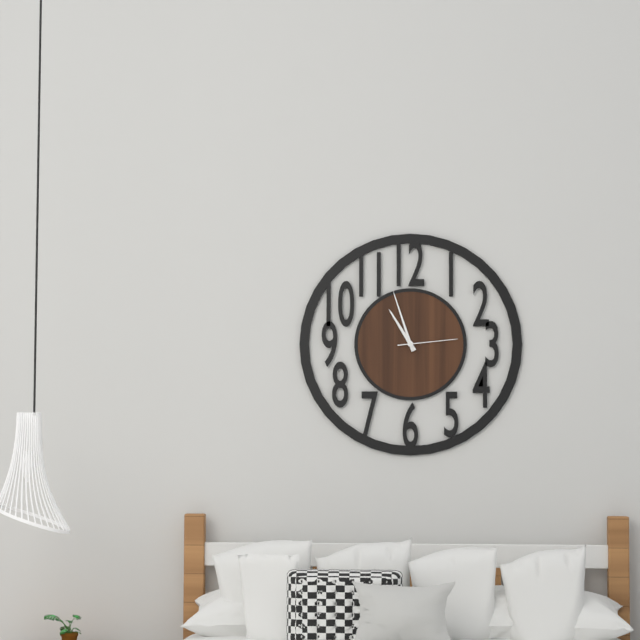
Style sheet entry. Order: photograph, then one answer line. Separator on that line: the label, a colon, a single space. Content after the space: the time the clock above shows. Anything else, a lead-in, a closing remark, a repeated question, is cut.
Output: 10:57:14
